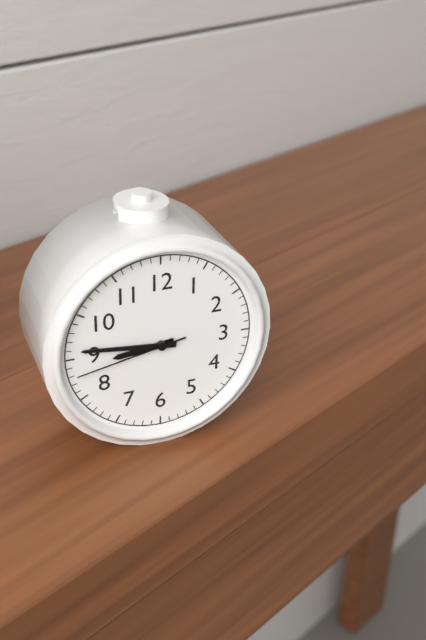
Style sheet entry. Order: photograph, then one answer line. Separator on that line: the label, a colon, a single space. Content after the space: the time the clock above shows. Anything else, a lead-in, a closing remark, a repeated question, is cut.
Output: 8:46:43
